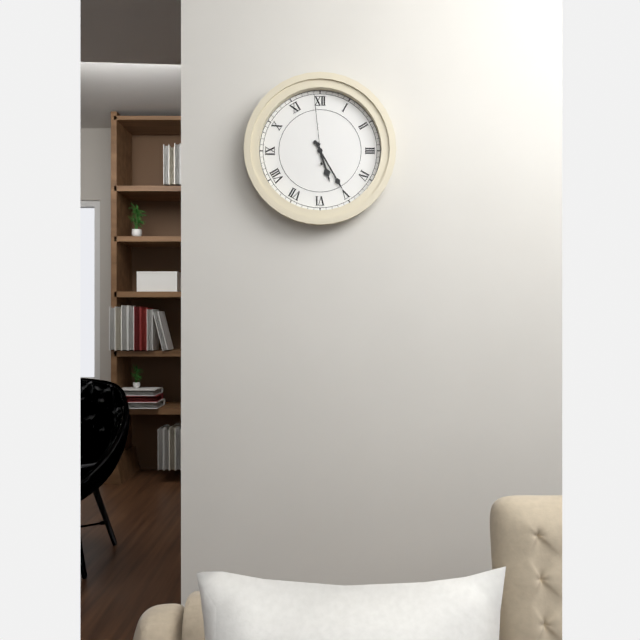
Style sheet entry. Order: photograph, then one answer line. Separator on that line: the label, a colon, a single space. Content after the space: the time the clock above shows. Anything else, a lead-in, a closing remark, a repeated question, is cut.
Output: 5:25:59
